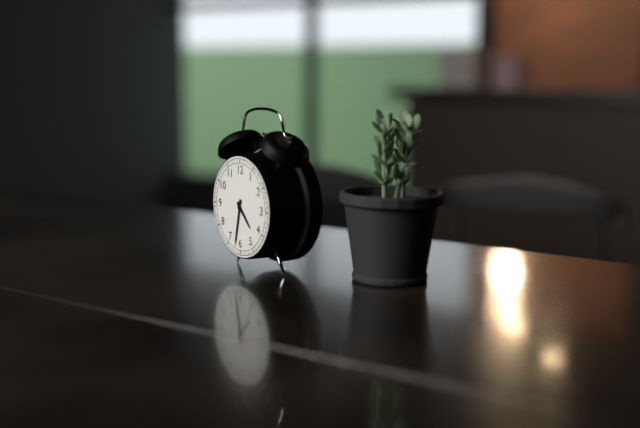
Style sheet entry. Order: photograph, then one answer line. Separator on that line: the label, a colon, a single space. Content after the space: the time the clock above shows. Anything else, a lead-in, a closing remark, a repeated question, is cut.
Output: 4:32
